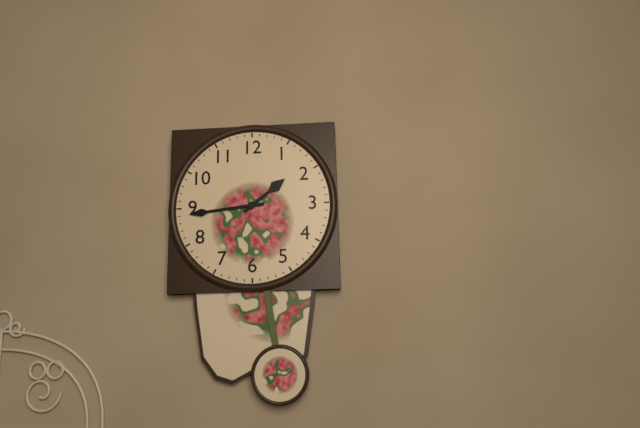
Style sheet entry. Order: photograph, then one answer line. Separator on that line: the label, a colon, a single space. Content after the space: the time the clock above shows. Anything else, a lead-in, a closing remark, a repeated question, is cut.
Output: 1:44
